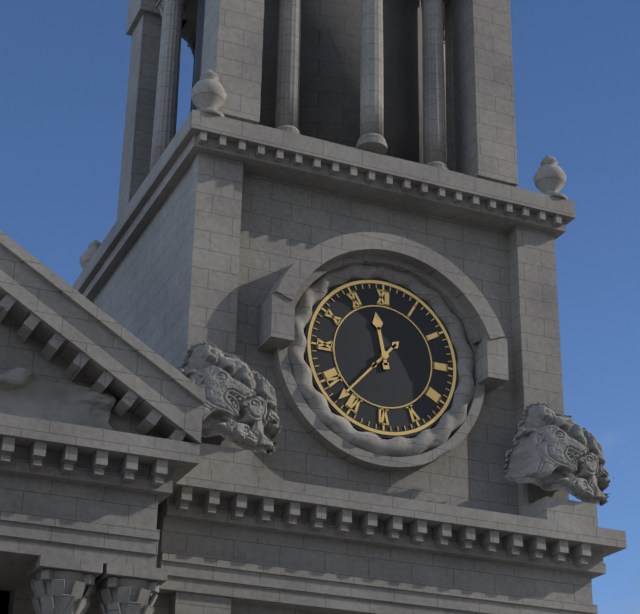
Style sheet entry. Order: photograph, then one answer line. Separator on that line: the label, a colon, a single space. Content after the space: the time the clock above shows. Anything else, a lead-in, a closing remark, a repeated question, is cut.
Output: 11:37
